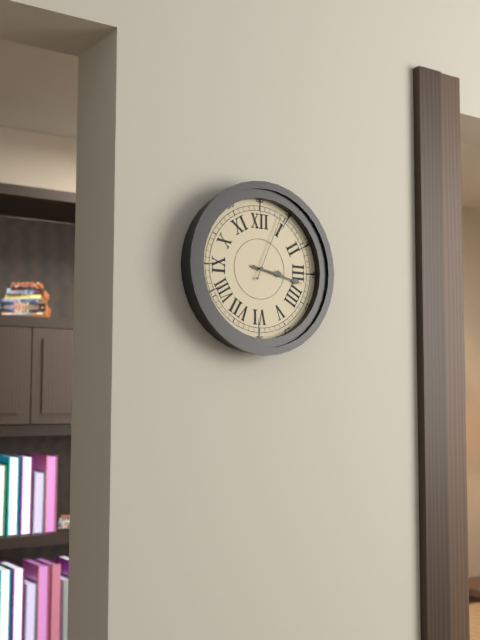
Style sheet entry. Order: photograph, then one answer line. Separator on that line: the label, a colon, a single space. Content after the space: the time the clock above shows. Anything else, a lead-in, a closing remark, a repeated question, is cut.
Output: 3:17:04
